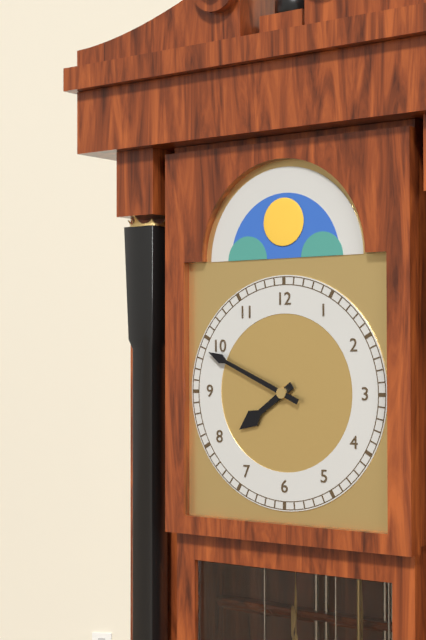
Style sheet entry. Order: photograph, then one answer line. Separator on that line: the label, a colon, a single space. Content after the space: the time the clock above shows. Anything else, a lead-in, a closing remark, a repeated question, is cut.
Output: 7:49
